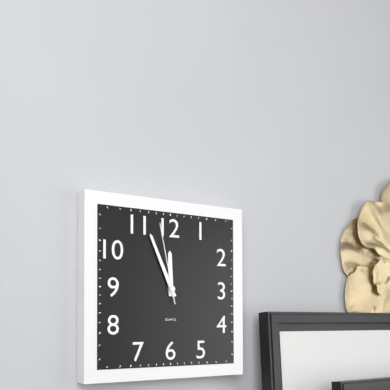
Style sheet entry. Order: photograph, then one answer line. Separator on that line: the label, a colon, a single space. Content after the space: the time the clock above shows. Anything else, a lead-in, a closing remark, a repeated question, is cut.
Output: 11:56:58
